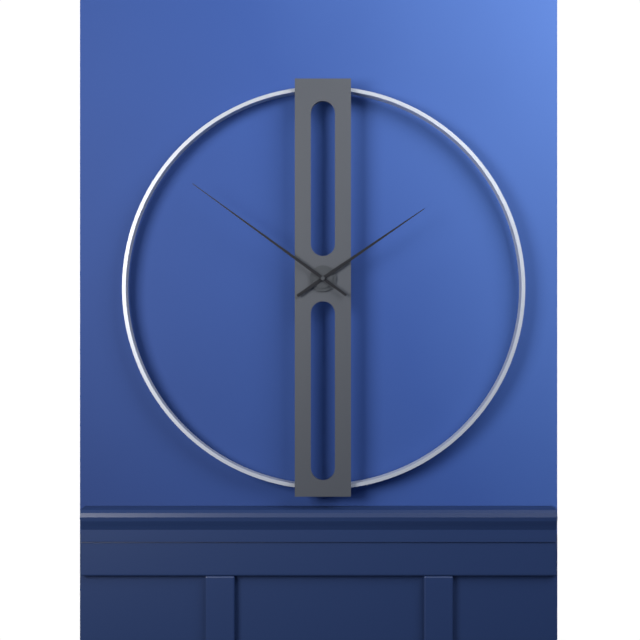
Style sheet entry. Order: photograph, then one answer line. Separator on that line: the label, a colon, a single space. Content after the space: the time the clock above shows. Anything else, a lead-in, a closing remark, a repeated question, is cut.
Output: 1:51
